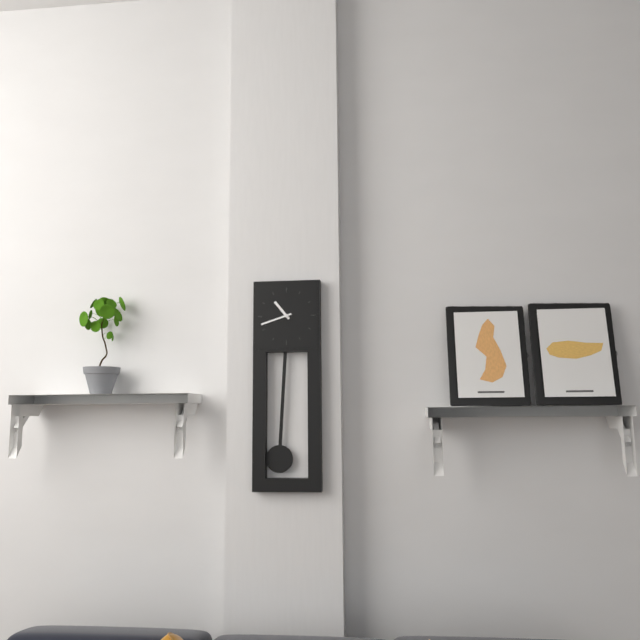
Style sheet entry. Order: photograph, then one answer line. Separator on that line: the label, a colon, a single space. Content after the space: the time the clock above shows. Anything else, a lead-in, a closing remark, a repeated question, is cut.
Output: 10:42
